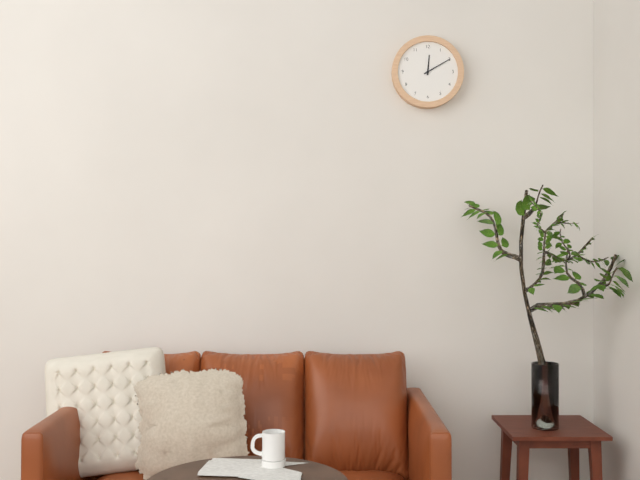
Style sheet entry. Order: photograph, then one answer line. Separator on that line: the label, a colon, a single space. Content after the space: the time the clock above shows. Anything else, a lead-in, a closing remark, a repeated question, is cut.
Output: 12:10
